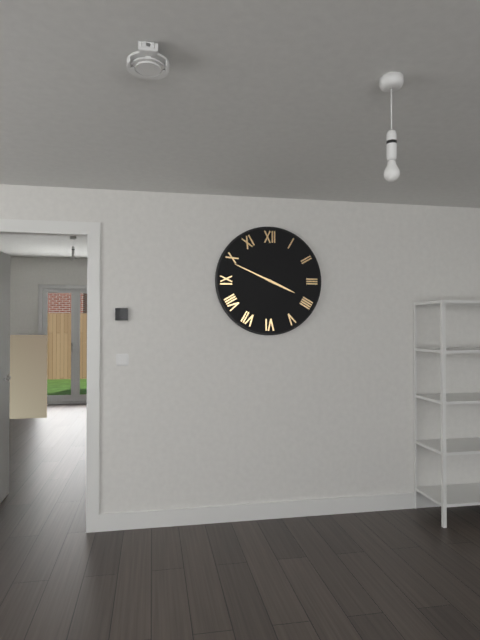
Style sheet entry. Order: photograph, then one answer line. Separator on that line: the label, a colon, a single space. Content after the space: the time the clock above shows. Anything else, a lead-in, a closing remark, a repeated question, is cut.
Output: 3:49
